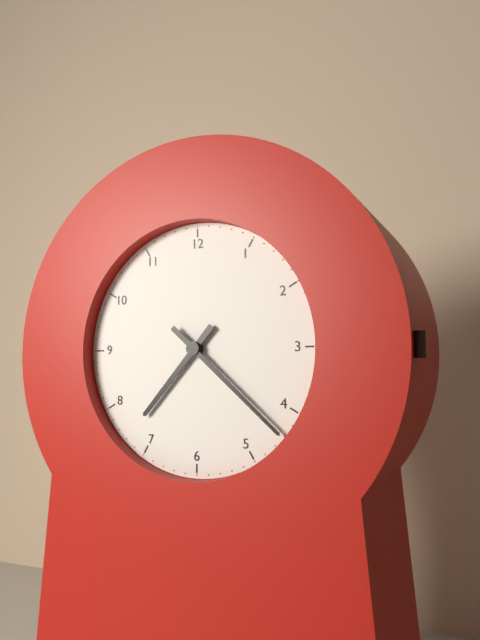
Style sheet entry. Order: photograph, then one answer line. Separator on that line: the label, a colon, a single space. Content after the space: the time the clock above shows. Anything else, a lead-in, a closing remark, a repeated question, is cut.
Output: 7:22
